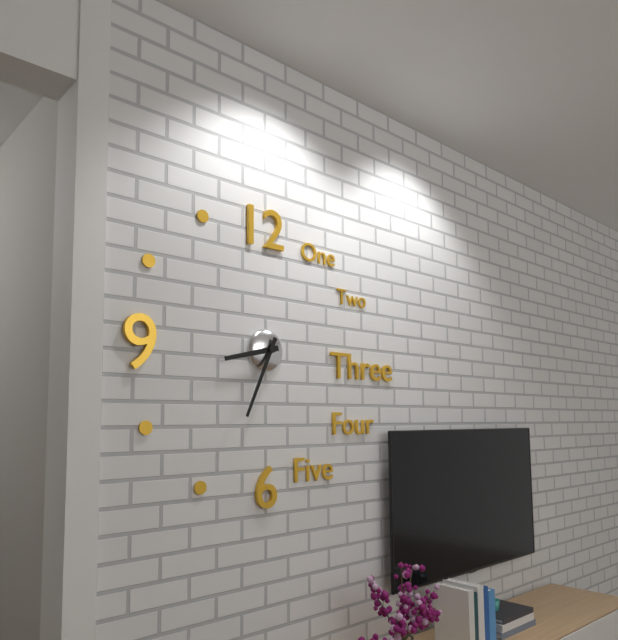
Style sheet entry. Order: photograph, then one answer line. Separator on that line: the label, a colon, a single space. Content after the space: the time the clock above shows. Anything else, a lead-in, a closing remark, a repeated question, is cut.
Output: 8:34
